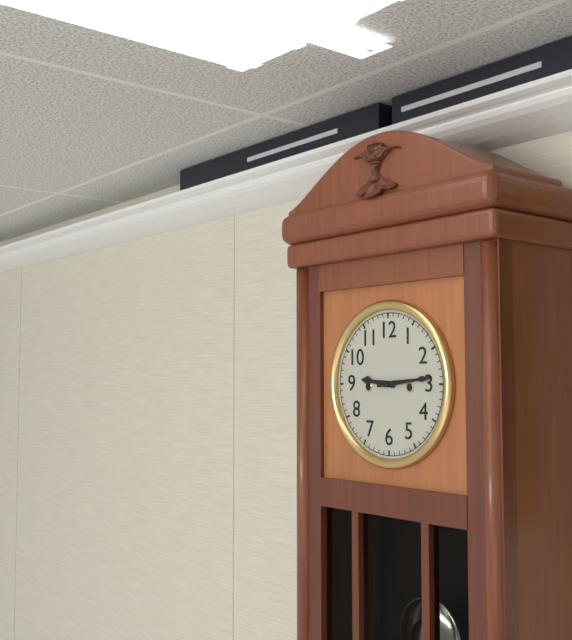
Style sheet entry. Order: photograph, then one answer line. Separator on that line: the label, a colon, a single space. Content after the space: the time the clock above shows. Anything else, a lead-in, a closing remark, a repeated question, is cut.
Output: 9:14
